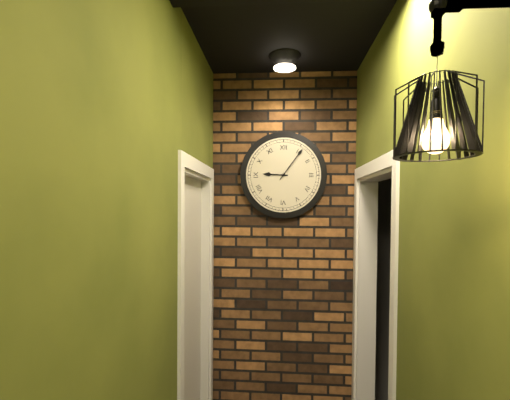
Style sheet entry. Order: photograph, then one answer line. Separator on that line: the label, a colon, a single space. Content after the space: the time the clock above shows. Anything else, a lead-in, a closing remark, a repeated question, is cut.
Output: 9:06
